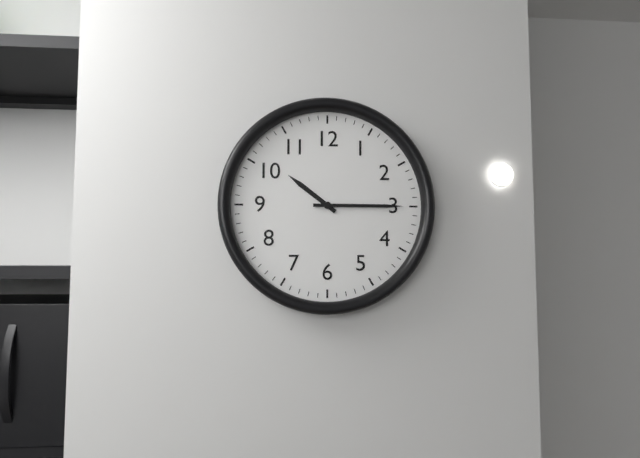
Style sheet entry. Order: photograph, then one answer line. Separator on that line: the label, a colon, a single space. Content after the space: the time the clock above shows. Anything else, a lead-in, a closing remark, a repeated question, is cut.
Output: 10:15
